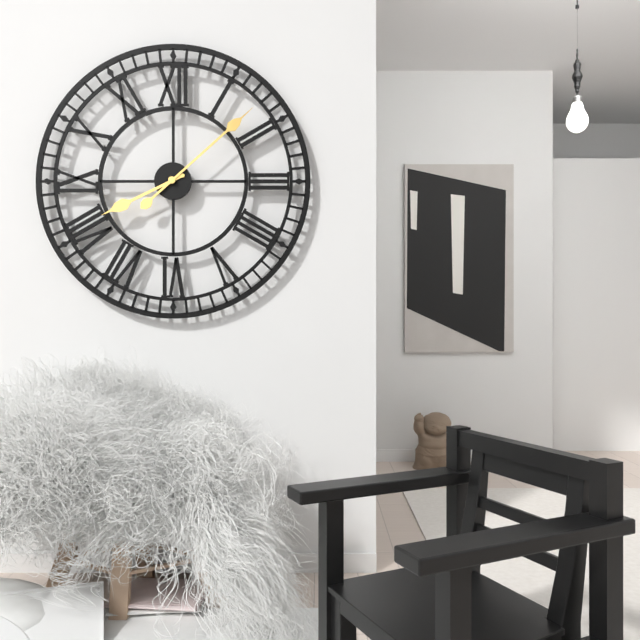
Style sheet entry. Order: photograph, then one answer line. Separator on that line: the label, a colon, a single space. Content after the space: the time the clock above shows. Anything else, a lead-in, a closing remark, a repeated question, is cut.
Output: 8:08
